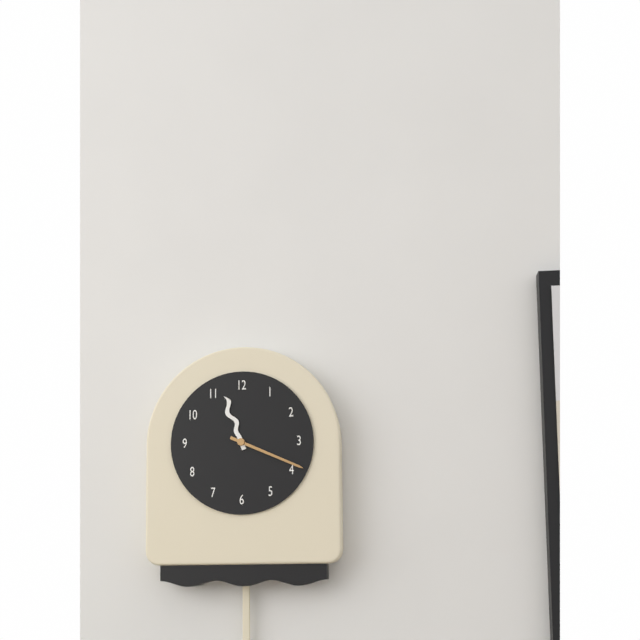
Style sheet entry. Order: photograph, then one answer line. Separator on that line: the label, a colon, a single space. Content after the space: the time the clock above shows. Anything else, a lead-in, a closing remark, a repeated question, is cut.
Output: 11:19
